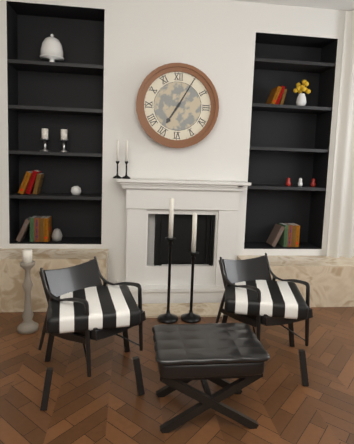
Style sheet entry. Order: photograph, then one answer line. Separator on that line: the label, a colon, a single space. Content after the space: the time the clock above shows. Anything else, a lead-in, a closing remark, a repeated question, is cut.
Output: 7:05
